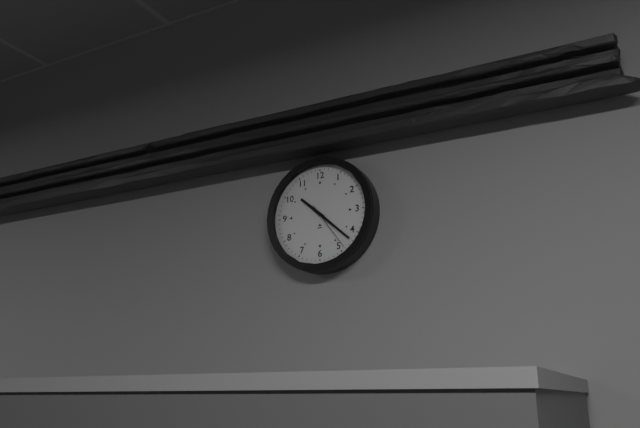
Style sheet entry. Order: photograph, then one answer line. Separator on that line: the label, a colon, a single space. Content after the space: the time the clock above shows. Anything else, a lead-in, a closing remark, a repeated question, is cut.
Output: 10:22:24
